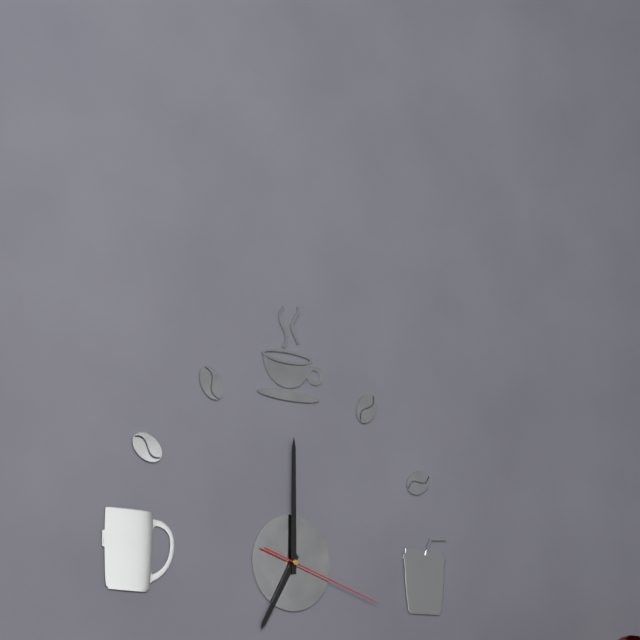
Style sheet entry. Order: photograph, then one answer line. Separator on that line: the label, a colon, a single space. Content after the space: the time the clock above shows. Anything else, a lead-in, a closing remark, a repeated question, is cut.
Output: 7:00:18
